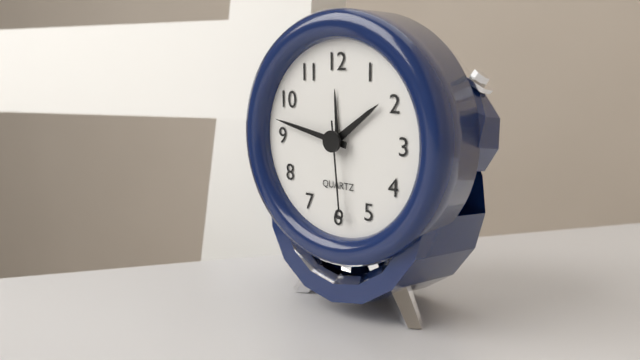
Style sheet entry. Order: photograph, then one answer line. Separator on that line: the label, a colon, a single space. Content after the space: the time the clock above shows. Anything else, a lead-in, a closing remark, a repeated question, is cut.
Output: 1:47:29
